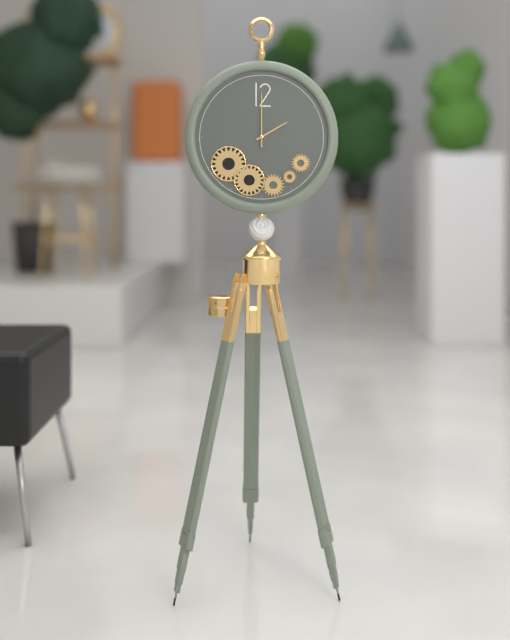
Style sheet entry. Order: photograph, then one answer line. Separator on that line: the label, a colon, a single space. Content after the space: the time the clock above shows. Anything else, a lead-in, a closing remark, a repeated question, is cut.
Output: 2:00
